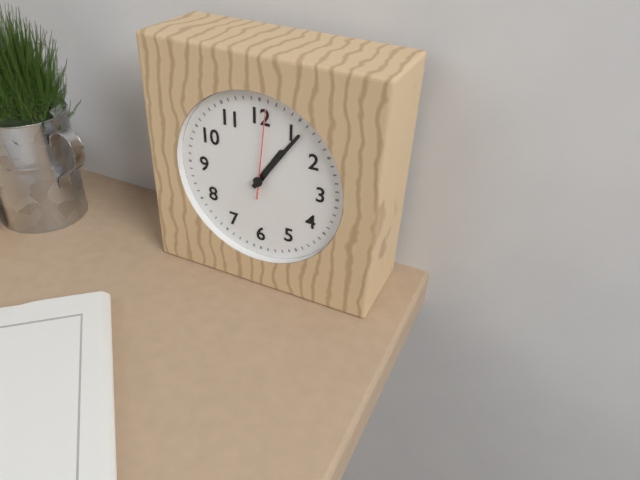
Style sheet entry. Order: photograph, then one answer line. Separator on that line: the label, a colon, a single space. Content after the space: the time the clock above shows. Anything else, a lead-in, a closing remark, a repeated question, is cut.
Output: 1:06:01
